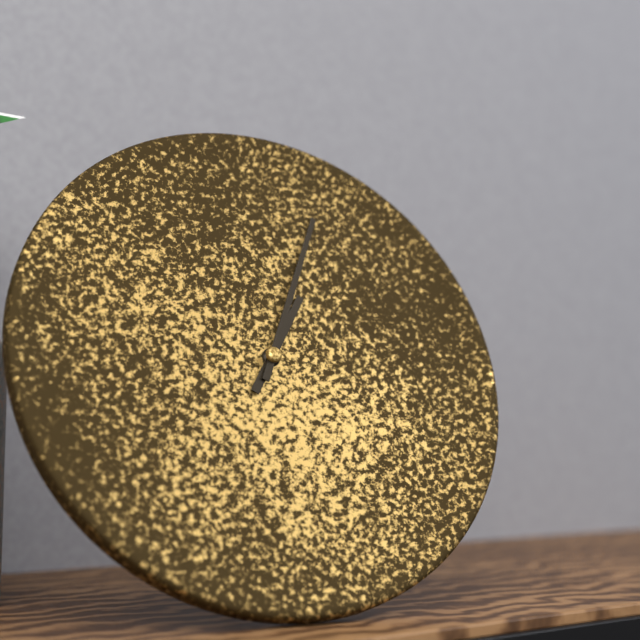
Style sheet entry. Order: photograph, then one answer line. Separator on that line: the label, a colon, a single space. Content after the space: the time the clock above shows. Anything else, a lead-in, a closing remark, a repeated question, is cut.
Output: 1:04
